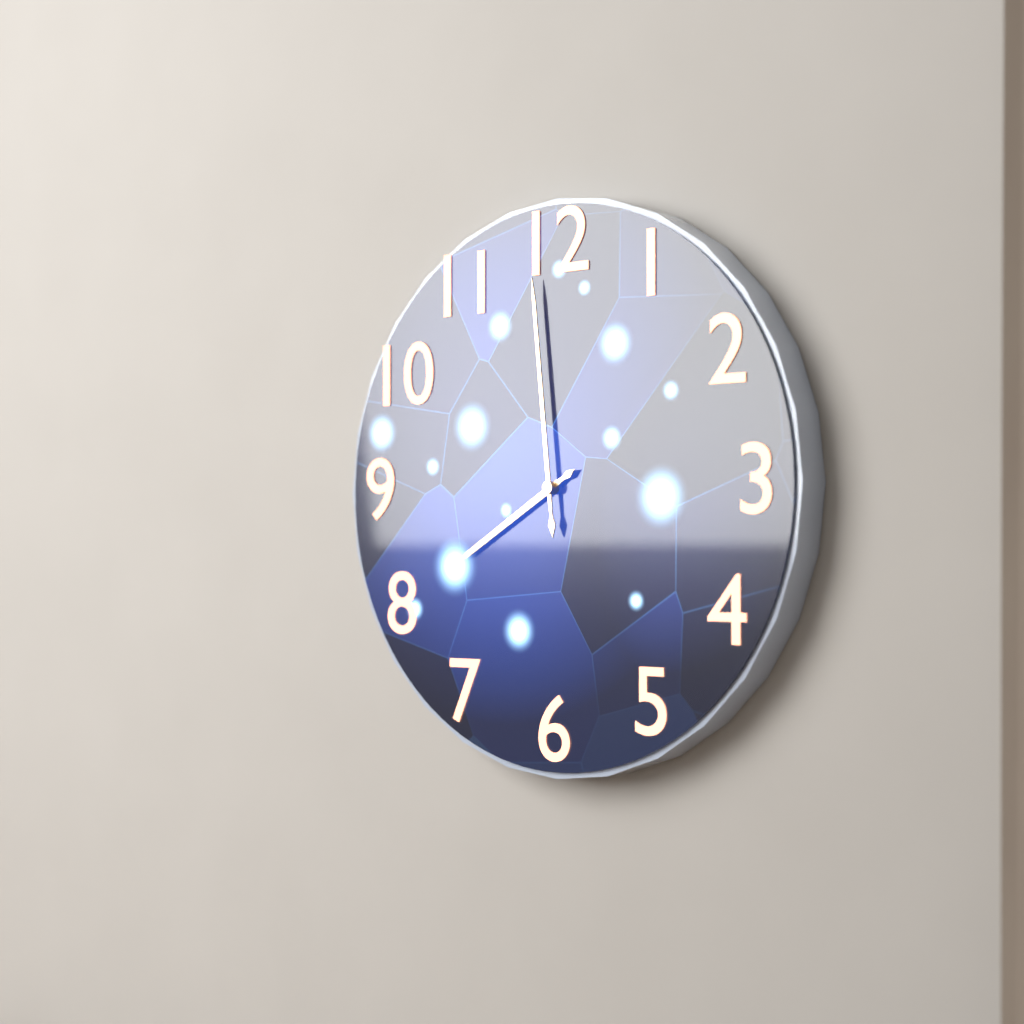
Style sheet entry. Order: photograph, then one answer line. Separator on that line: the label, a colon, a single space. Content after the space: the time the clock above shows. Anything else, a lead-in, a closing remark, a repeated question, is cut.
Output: 7:59
